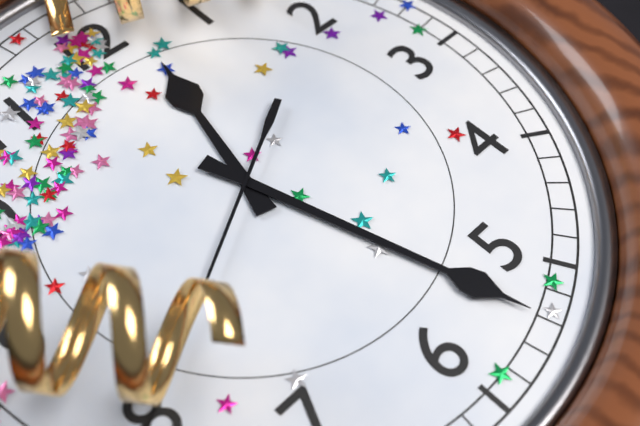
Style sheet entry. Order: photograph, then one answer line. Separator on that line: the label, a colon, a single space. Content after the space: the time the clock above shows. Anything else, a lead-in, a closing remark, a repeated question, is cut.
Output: 12:27
